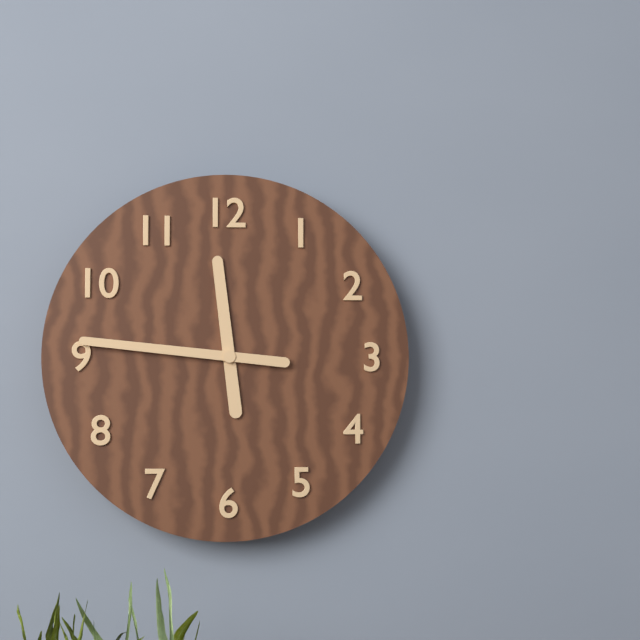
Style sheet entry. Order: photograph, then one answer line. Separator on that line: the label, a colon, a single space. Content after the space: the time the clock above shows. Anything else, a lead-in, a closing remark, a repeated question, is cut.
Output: 11:46
